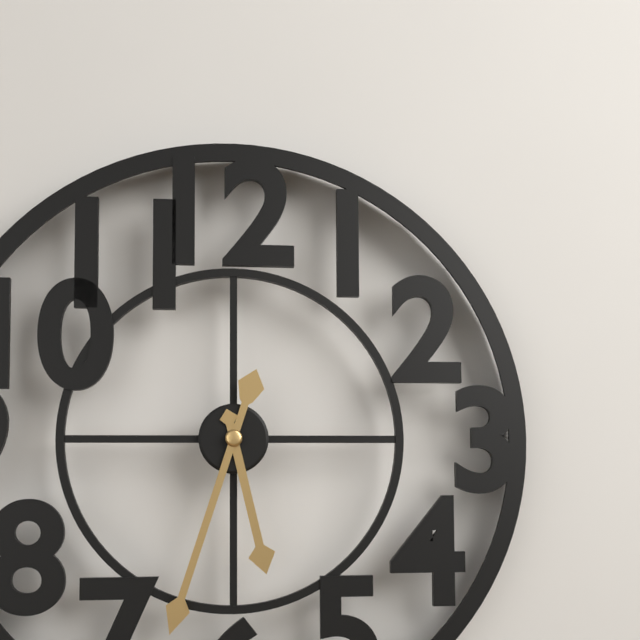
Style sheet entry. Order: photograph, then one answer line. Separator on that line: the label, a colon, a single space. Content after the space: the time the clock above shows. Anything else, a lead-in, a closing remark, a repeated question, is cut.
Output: 5:33
